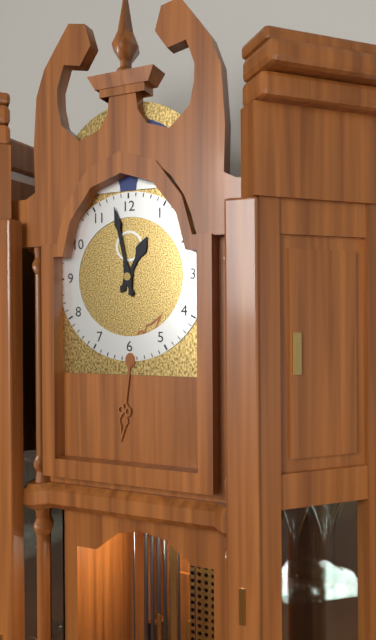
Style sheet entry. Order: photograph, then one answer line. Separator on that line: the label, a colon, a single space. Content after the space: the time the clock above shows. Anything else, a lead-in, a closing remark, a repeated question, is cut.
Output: 12:58
